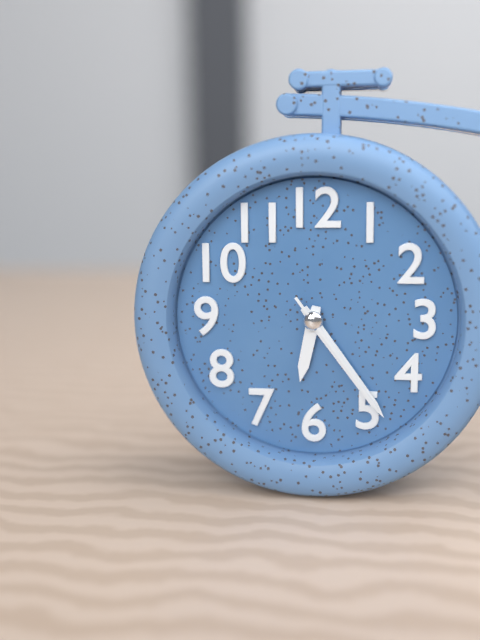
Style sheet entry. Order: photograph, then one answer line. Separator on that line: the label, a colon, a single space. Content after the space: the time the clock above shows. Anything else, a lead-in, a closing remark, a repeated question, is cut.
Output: 6:24:24
